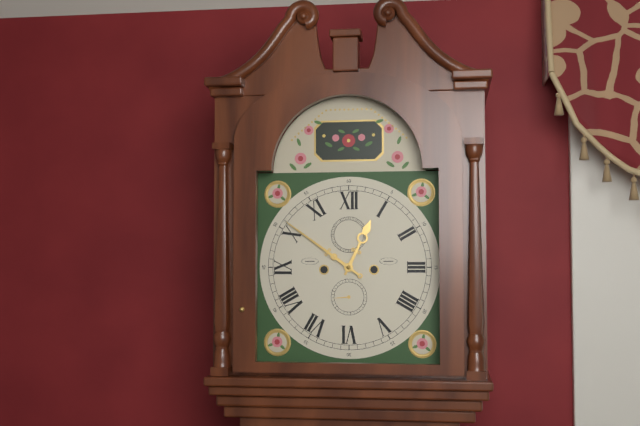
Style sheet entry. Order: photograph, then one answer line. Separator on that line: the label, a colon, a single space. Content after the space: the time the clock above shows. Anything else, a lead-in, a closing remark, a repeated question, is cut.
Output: 12:51
